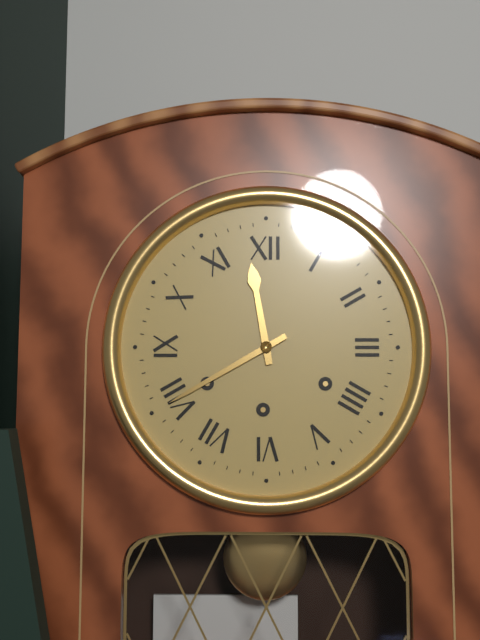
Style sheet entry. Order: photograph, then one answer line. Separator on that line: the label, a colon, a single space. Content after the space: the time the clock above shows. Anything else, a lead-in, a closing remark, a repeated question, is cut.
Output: 11:40
